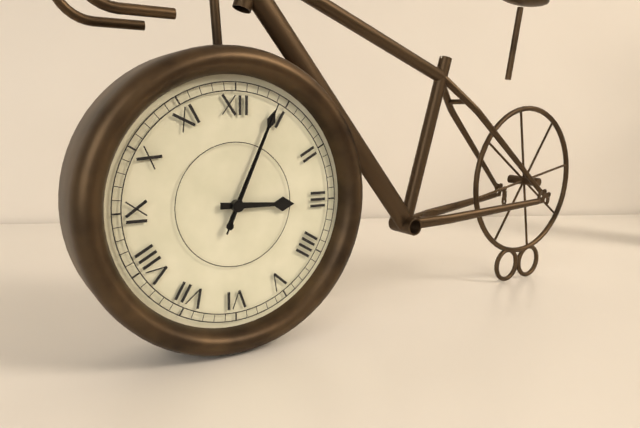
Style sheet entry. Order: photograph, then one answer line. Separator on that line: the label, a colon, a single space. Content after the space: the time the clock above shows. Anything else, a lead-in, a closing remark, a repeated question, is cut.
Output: 3:04:04
